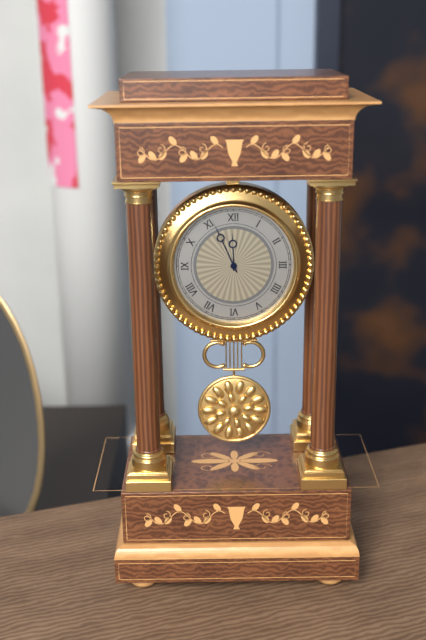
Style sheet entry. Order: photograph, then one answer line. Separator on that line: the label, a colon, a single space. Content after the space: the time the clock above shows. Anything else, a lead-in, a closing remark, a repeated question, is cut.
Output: 11:56
